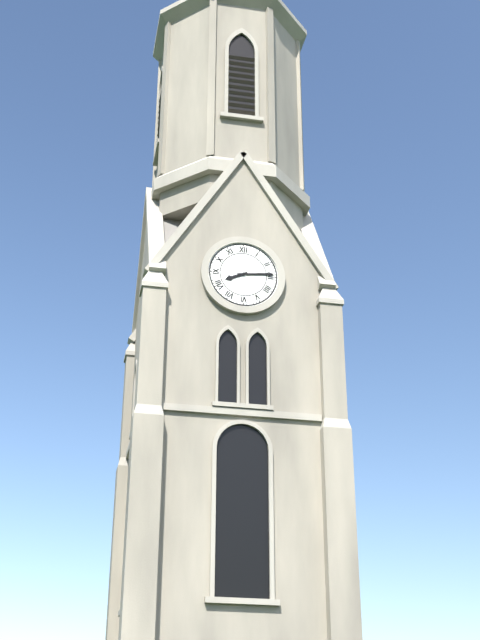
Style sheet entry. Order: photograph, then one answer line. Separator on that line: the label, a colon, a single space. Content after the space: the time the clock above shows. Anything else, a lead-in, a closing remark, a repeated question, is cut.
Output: 8:14
